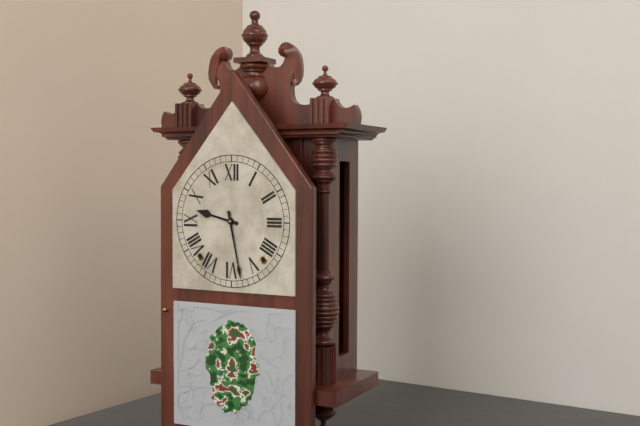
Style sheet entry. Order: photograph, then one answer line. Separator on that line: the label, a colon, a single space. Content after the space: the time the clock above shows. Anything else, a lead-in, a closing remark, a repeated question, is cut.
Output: 9:28
